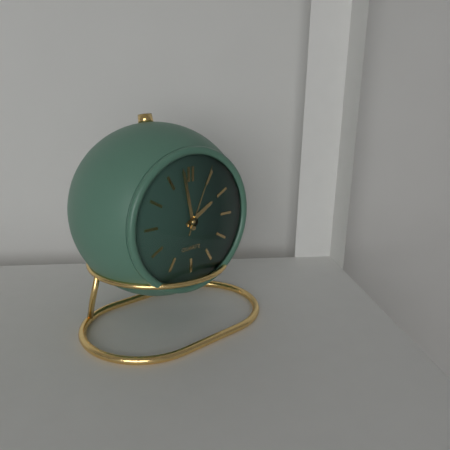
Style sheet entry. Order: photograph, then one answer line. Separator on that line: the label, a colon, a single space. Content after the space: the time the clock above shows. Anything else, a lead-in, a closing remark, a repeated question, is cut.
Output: 1:58:04
